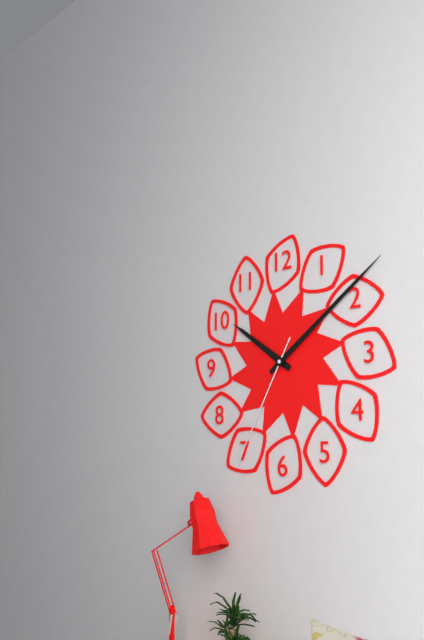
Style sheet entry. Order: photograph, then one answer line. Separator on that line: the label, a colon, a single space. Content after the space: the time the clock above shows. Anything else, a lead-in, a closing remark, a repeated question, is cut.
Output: 10:09:35
